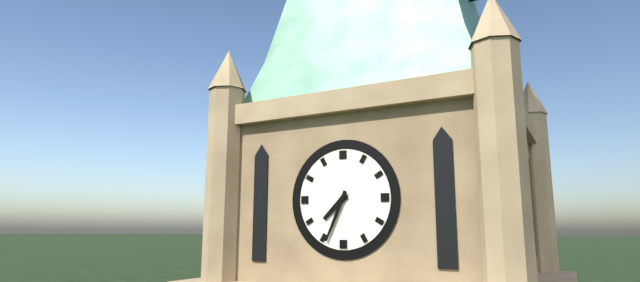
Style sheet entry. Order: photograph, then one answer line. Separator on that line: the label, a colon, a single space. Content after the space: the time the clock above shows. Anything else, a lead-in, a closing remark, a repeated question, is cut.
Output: 7:34
